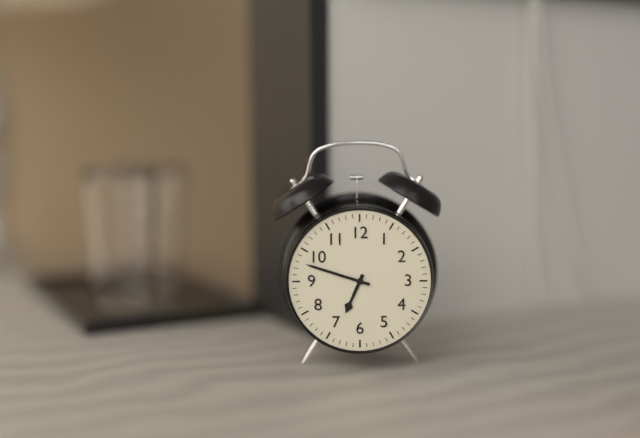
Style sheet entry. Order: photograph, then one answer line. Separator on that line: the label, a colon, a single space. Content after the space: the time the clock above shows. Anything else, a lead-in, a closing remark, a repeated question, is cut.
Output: 6:48
